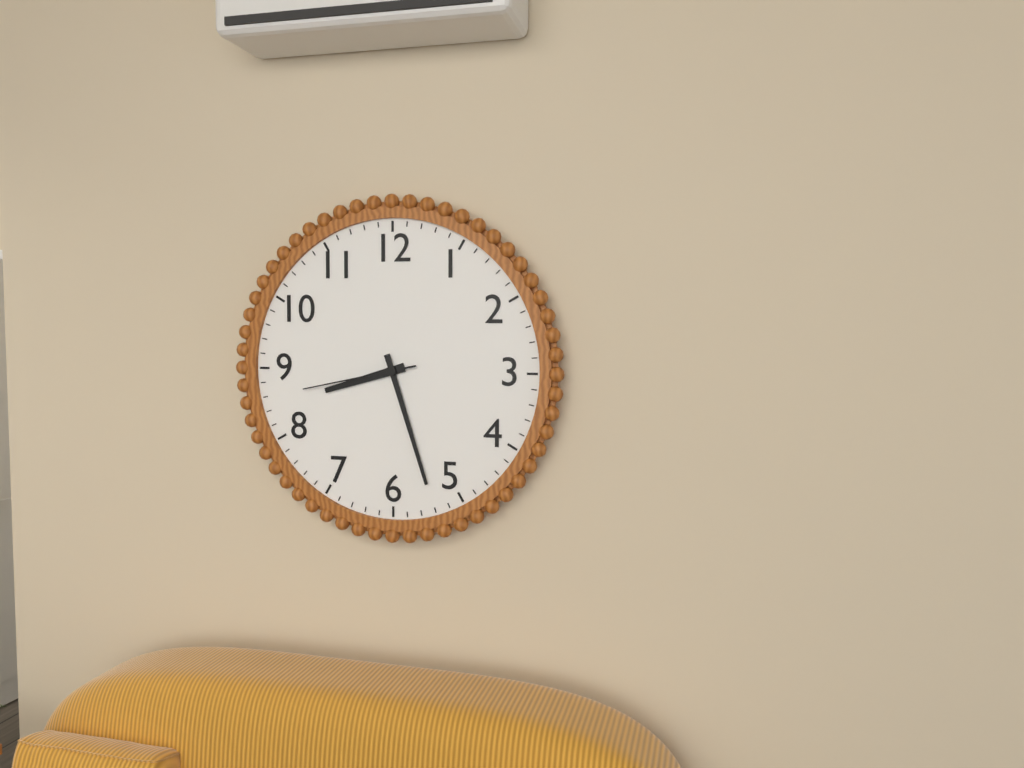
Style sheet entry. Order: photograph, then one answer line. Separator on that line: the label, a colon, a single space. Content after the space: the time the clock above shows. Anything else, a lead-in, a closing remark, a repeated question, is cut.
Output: 8:27:43
